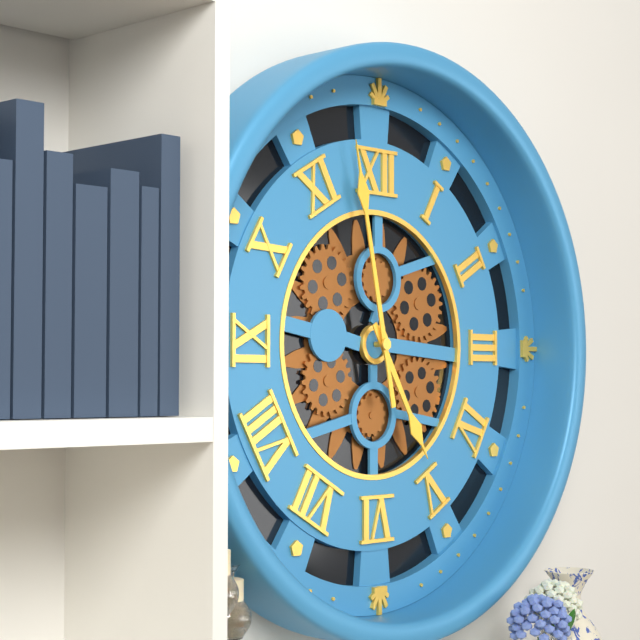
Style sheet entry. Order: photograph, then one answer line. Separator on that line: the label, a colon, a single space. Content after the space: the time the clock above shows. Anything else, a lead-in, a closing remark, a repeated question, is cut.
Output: 4:58
